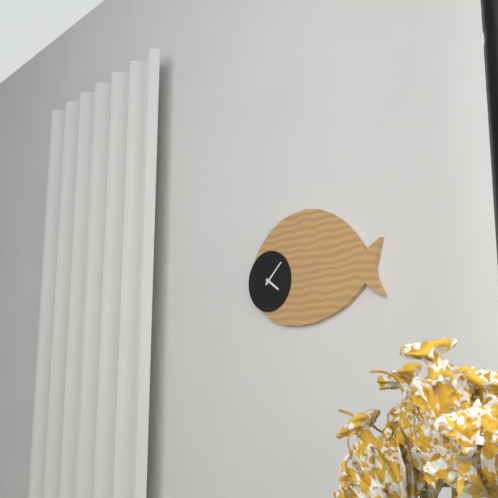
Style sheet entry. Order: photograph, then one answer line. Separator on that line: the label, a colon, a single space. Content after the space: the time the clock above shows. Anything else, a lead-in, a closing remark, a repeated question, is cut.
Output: 4:08
